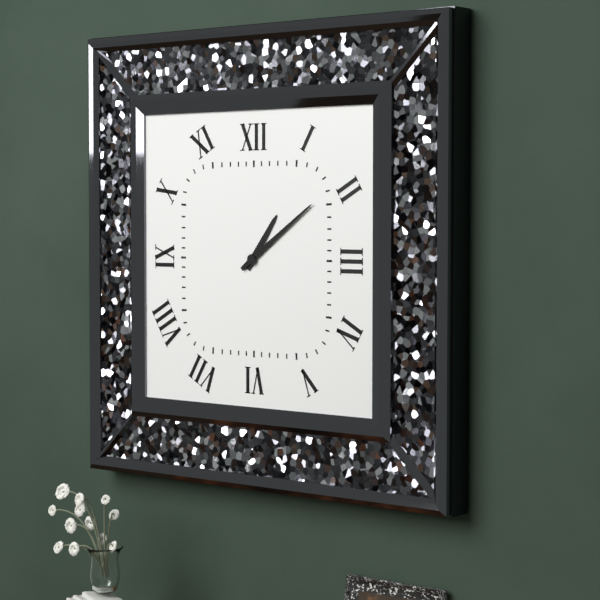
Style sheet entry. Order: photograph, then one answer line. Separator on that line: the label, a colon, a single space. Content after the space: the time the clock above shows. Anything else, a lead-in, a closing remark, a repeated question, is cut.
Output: 1:09
